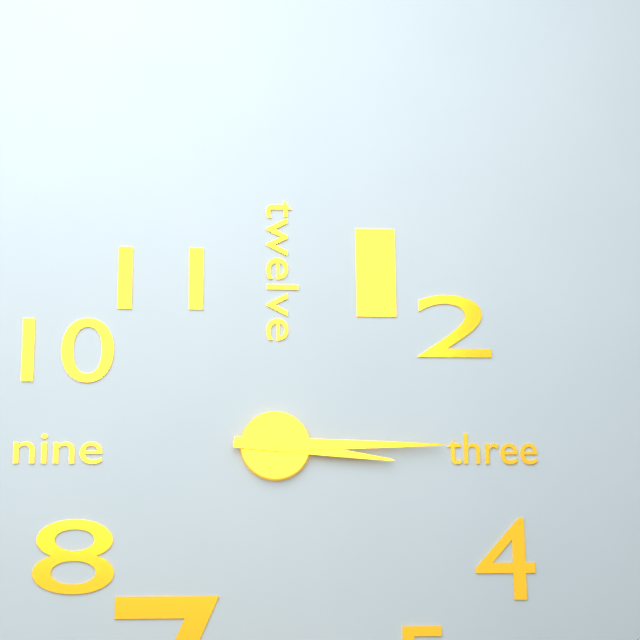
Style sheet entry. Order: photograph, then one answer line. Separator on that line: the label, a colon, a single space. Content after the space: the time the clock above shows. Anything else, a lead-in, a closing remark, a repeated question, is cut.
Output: 3:15
